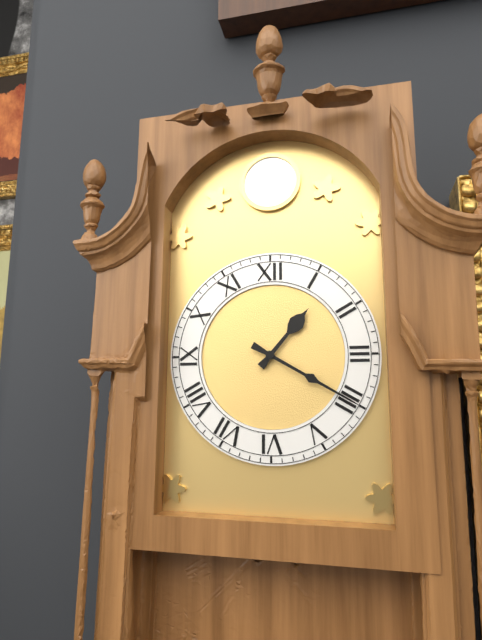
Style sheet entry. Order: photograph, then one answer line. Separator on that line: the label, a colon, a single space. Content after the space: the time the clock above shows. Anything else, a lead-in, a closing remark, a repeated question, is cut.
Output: 1:20
